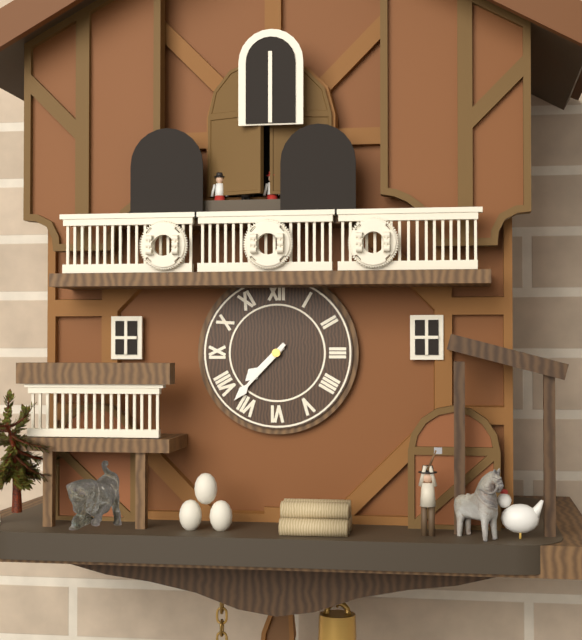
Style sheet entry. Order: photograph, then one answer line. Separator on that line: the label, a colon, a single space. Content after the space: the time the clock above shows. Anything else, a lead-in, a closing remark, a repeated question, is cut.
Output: 7:37
